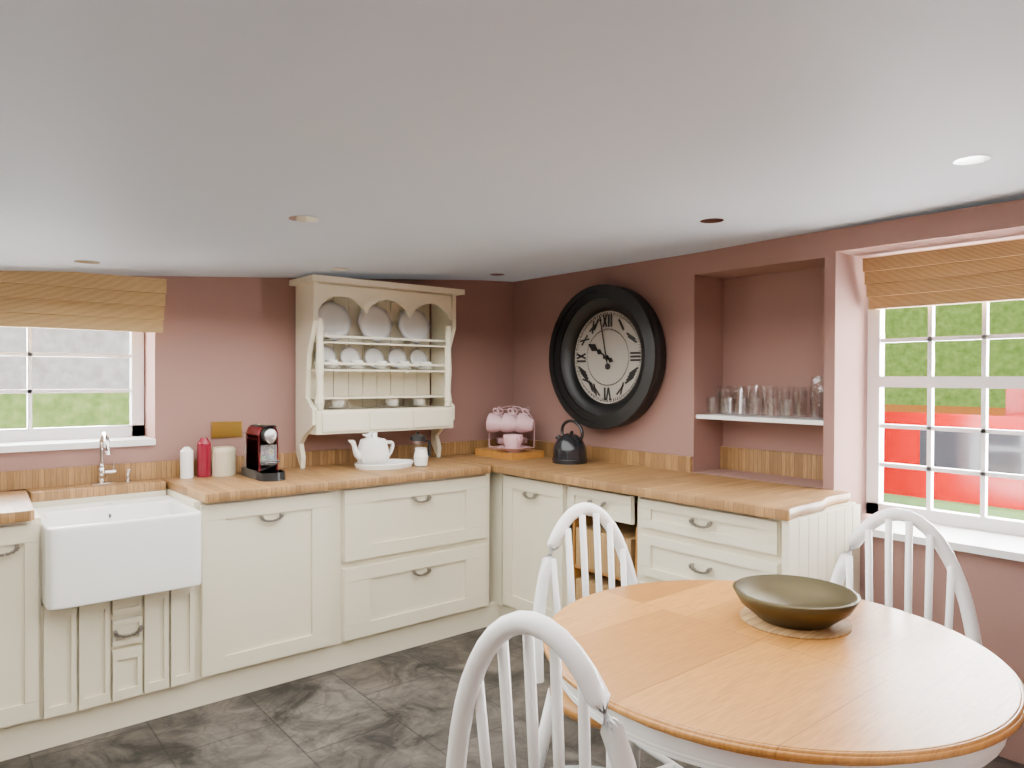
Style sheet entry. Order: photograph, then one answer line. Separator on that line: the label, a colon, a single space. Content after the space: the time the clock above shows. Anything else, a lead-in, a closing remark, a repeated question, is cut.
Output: 9:58
